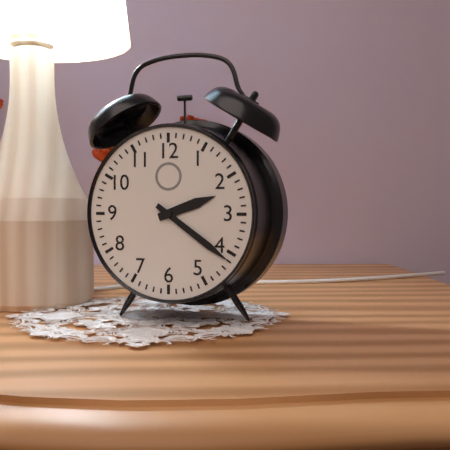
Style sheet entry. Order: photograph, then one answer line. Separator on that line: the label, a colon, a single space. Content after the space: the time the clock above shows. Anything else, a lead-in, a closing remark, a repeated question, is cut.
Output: 2:21
